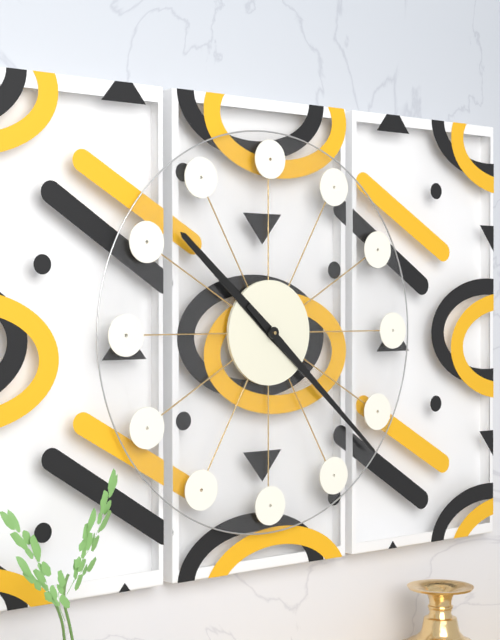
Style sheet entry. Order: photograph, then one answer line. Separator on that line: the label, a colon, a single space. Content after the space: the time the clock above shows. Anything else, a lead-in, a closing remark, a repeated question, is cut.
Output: 10:22
